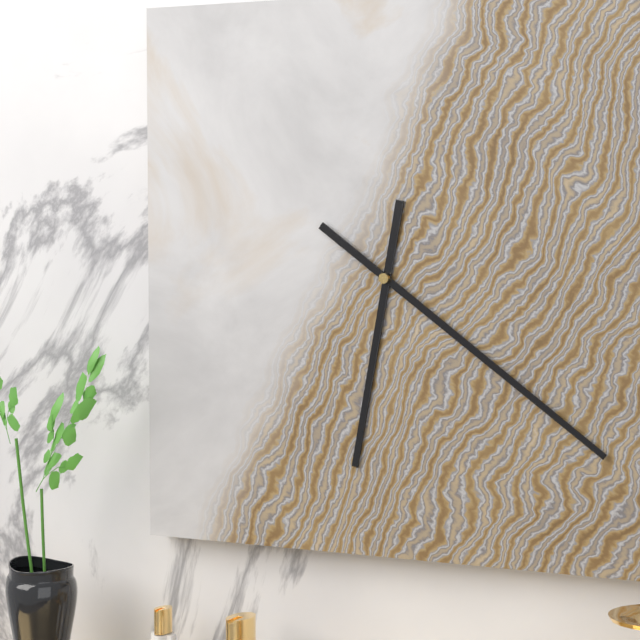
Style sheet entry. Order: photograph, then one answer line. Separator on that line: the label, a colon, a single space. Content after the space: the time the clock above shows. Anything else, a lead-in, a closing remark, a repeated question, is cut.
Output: 6:21
